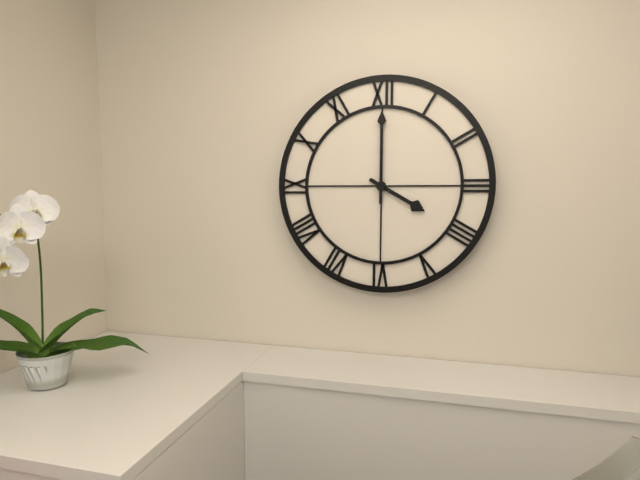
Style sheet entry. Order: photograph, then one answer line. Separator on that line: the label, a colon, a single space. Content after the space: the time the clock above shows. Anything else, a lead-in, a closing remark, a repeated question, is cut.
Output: 4:00
